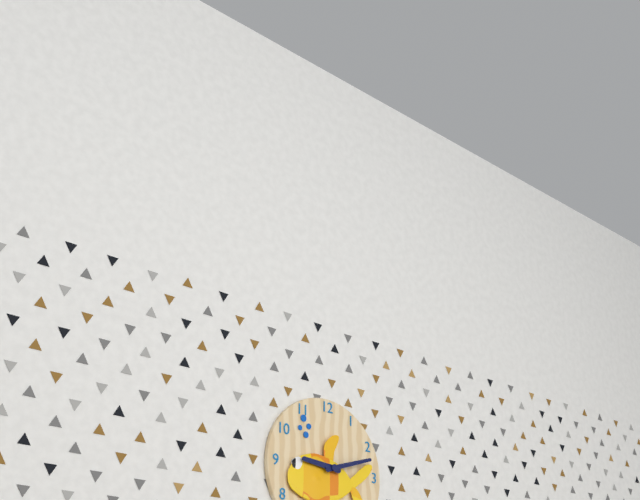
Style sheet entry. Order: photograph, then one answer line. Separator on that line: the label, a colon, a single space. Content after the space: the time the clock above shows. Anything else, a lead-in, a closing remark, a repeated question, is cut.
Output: 9:12
